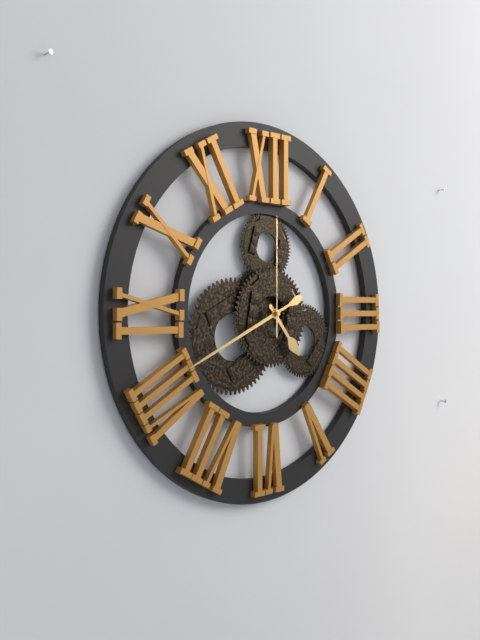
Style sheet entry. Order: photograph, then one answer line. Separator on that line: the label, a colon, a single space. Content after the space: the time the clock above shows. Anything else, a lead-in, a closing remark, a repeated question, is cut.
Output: 4:41:00
